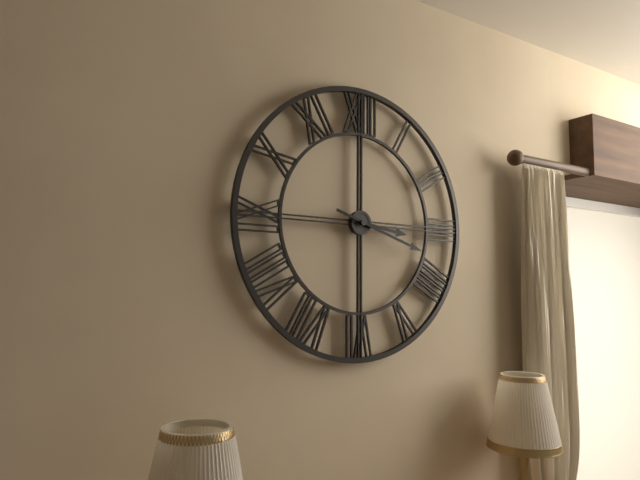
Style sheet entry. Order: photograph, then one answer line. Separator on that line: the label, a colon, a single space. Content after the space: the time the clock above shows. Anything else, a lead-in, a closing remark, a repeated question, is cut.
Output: 3:18
